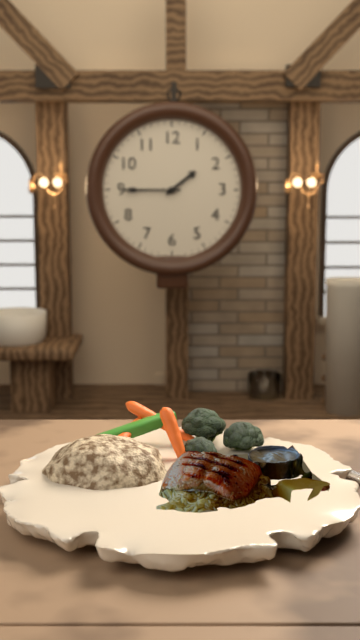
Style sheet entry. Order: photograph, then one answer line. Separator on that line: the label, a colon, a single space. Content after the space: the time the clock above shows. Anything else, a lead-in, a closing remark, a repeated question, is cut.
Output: 1:45
